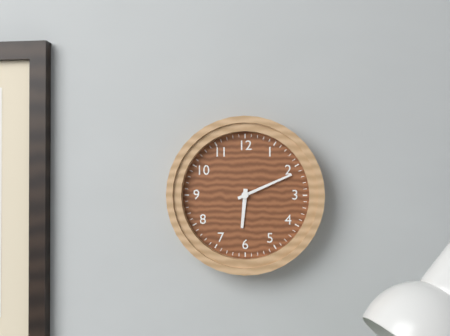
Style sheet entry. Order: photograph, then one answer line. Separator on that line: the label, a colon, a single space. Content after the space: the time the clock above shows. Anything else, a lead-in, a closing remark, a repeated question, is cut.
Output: 6:11
